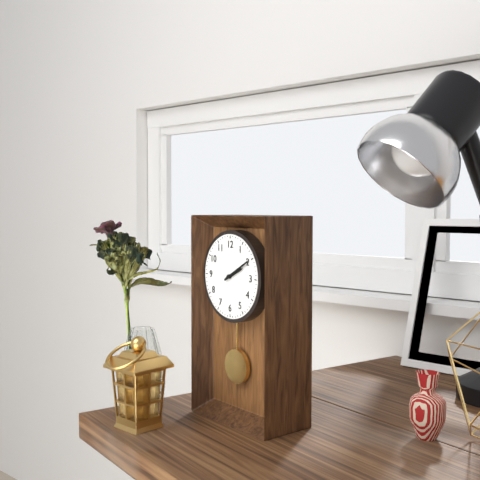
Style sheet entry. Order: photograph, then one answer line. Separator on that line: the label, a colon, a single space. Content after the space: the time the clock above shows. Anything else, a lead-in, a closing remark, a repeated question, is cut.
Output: 2:10
